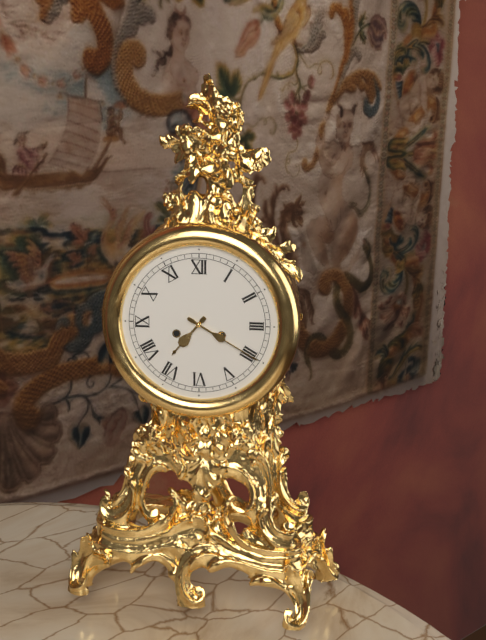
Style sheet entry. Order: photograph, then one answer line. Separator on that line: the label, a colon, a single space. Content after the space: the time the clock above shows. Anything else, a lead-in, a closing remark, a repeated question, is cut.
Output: 7:20
